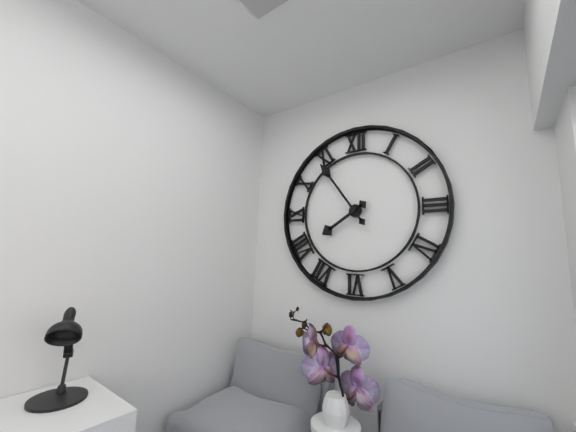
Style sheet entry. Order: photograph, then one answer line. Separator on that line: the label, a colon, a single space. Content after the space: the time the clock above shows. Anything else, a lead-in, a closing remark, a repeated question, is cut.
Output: 7:54
